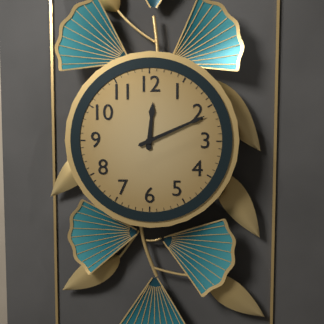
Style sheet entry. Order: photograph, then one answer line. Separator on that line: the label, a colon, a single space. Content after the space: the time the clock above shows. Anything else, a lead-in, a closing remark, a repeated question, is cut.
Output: 12:11
